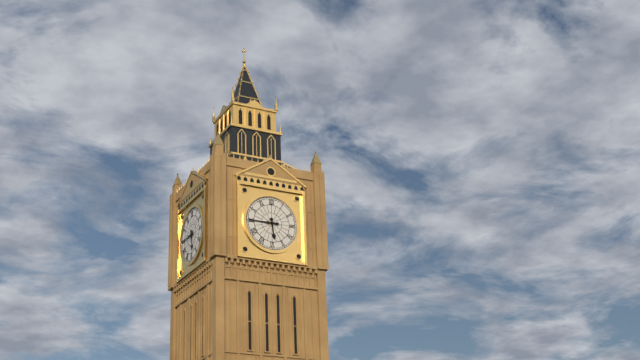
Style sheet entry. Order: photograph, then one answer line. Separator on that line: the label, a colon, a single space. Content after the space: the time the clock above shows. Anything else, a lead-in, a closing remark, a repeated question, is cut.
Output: 5:45
